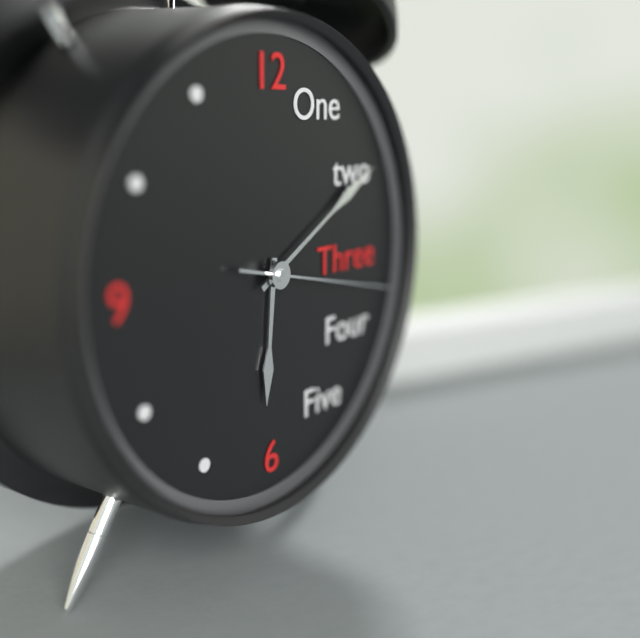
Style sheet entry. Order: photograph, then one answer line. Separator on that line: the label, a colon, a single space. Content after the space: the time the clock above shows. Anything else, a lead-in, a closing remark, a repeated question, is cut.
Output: 6:10:17
